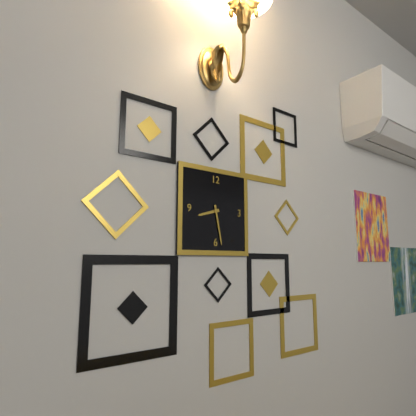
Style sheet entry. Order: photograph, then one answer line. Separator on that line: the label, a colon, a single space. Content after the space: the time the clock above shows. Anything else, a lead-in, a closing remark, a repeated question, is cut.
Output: 8:28
